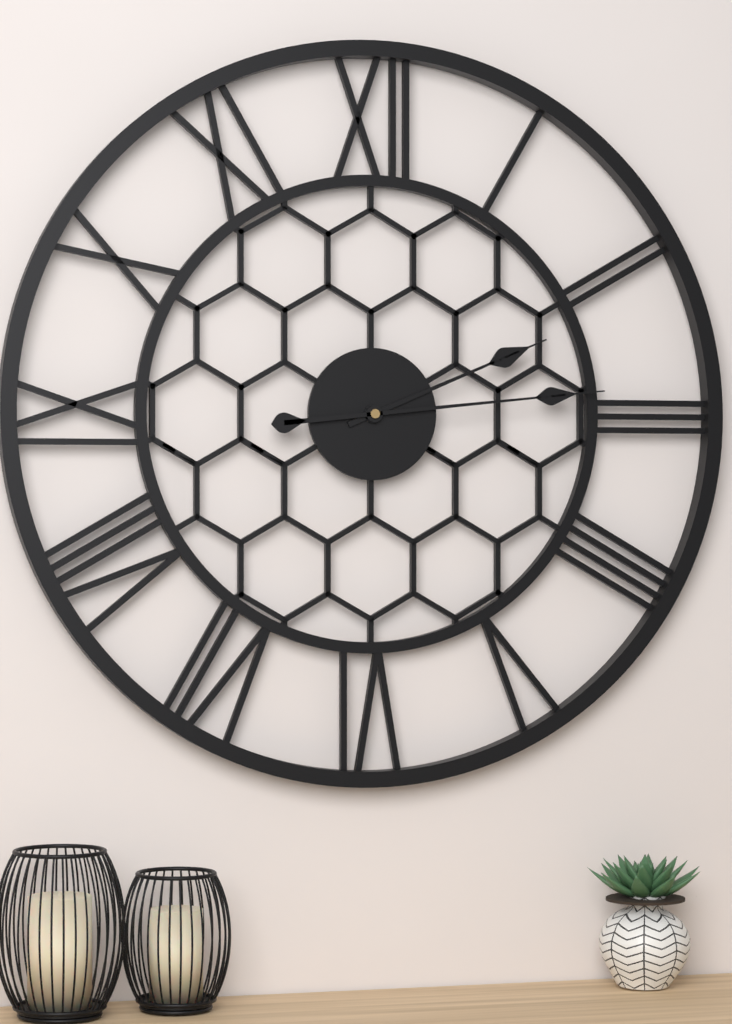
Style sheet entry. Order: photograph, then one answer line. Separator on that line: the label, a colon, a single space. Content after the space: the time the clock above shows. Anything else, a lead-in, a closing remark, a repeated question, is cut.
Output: 2:14
